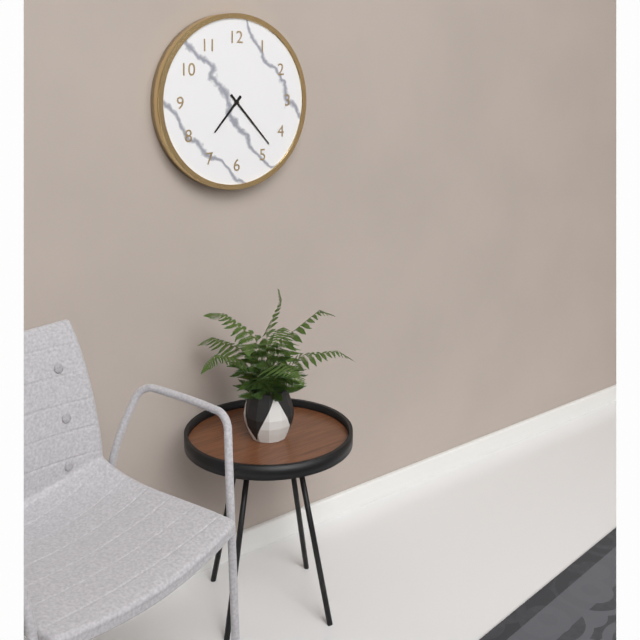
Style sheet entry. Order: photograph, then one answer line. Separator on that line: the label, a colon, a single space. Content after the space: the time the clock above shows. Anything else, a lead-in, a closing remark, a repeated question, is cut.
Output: 7:23
